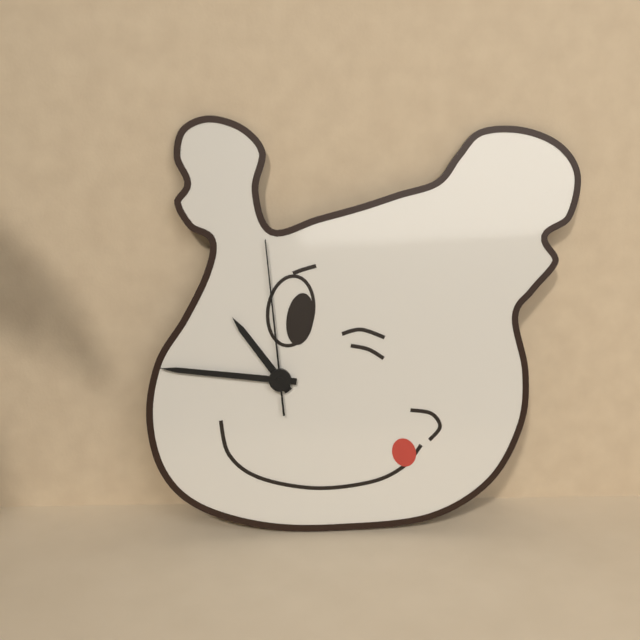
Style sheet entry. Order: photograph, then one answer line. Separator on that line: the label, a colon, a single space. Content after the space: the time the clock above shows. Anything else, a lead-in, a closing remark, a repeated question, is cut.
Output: 10:46:59
